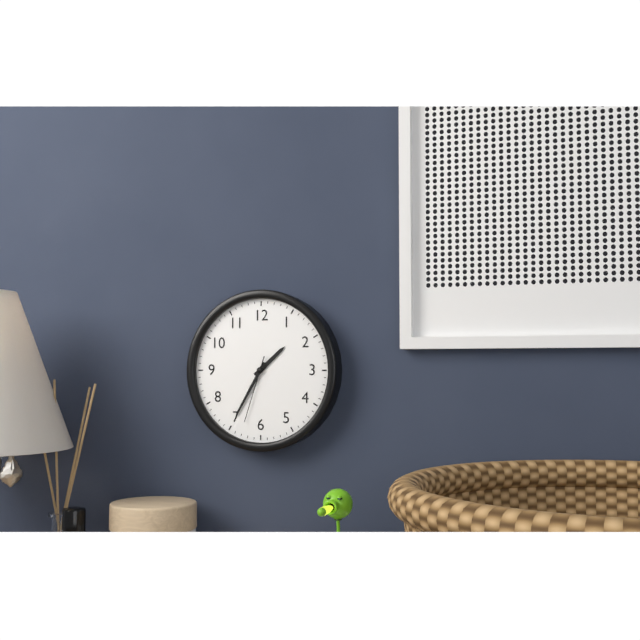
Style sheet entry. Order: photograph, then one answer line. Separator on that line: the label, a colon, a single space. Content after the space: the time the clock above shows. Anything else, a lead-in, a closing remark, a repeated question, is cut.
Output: 1:35:33
